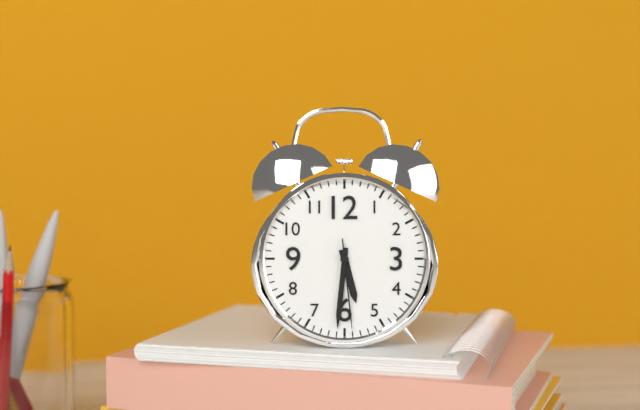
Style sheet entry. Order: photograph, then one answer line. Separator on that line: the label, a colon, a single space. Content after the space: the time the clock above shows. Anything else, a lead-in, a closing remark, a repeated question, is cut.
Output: 5:31:29
